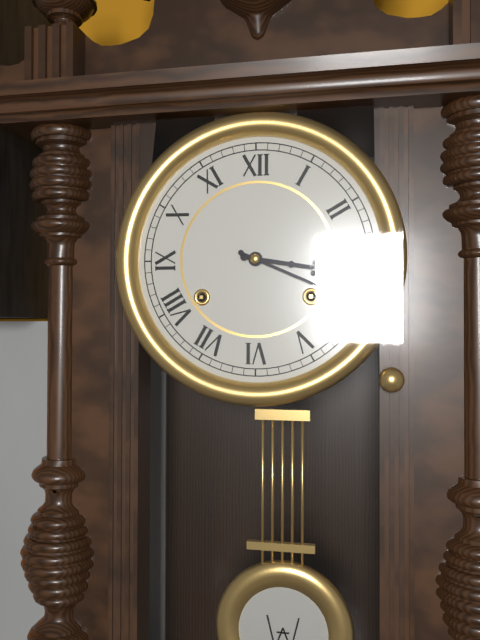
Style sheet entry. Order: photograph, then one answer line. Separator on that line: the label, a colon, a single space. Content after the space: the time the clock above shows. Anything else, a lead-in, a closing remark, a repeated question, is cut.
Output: 3:19
